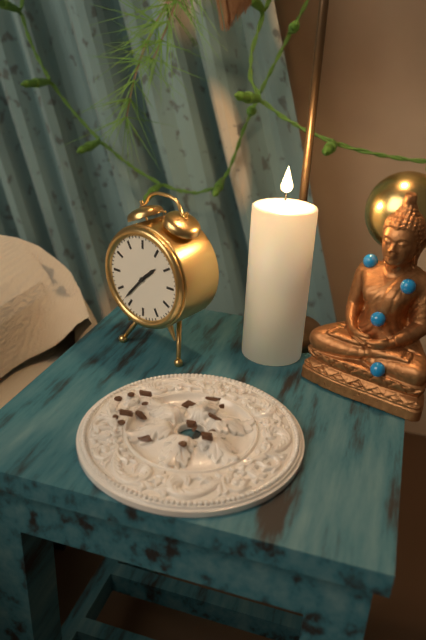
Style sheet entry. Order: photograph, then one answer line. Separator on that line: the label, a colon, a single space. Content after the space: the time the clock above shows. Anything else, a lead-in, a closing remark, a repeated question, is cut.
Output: 1:37
